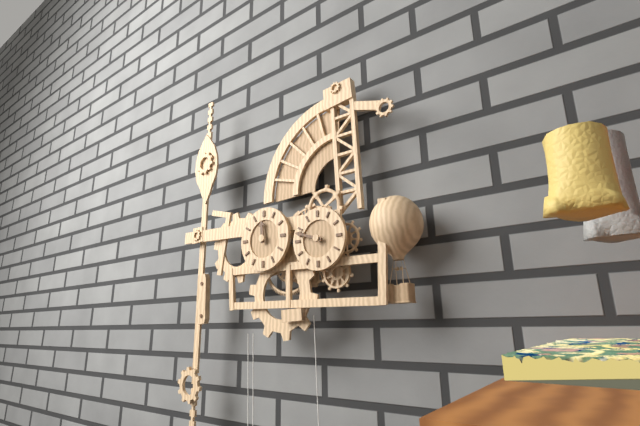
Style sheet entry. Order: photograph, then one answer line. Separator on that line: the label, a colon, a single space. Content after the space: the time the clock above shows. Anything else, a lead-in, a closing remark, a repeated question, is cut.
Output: 11:48
